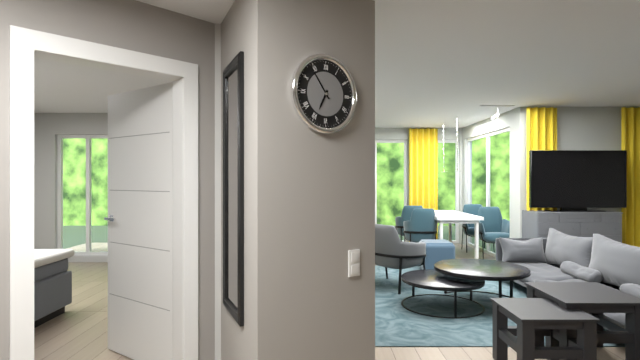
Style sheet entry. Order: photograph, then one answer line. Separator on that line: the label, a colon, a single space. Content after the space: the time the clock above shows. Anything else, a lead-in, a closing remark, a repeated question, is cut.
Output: 6:54
